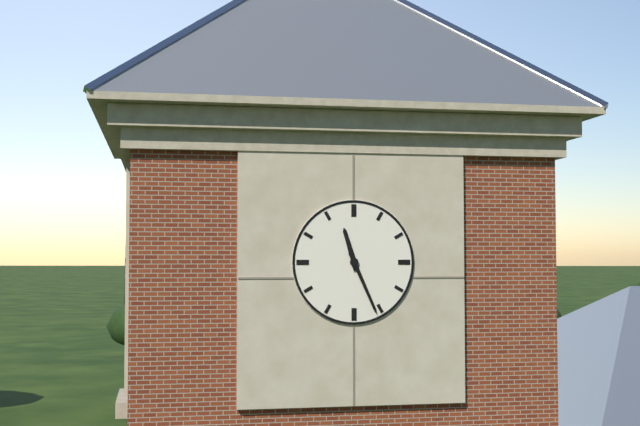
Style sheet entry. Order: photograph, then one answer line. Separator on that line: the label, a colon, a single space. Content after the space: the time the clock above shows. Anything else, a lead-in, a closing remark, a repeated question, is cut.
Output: 11:26
